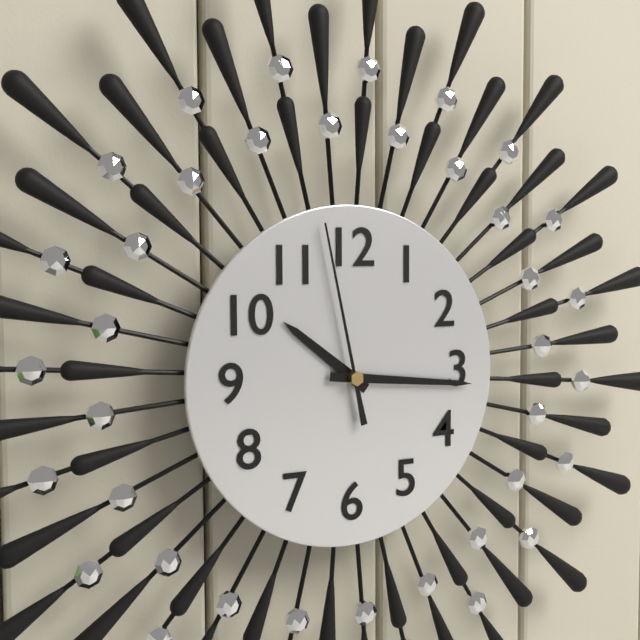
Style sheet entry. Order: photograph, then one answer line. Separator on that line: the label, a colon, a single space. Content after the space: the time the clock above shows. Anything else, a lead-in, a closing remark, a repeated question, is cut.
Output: 10:16:58
